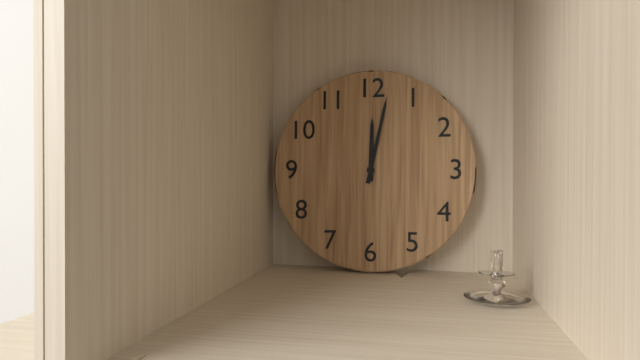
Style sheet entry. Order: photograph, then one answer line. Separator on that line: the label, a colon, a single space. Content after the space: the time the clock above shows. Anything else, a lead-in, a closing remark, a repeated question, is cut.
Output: 12:02
